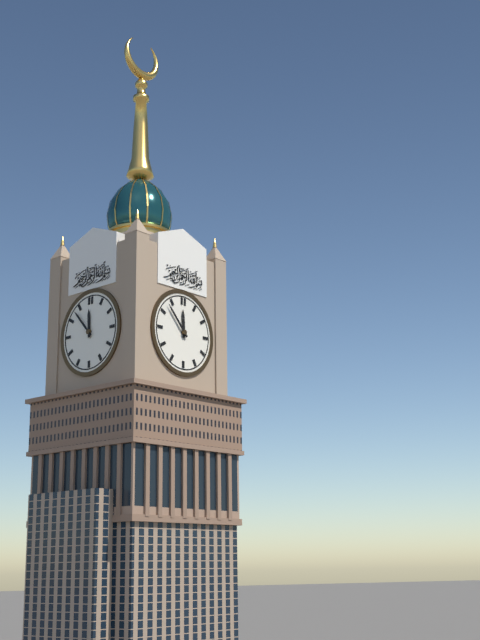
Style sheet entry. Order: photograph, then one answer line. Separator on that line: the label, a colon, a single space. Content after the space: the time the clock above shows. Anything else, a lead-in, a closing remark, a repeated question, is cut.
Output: 11:53
